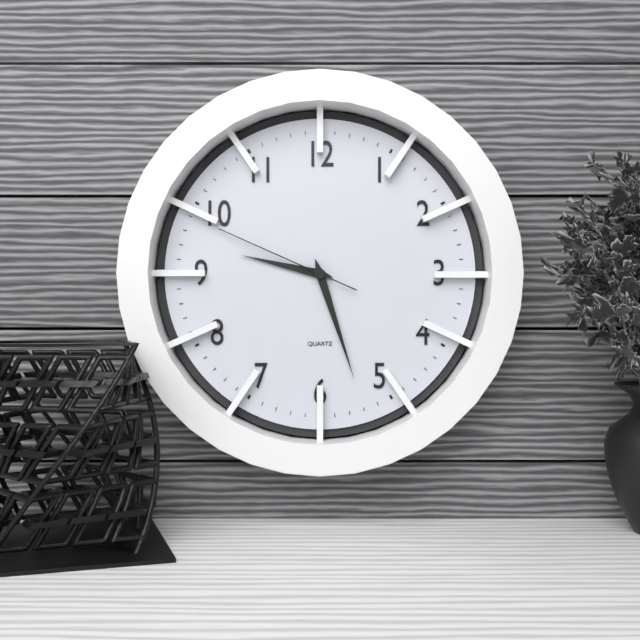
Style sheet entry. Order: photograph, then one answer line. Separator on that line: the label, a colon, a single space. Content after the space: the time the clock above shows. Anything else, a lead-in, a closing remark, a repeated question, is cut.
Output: 9:27:49
